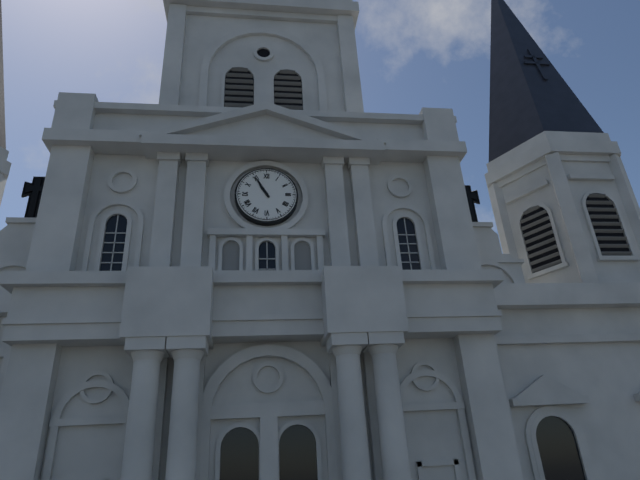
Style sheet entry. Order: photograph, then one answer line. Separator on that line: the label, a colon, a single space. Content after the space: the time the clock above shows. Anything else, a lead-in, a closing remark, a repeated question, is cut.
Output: 10:55
